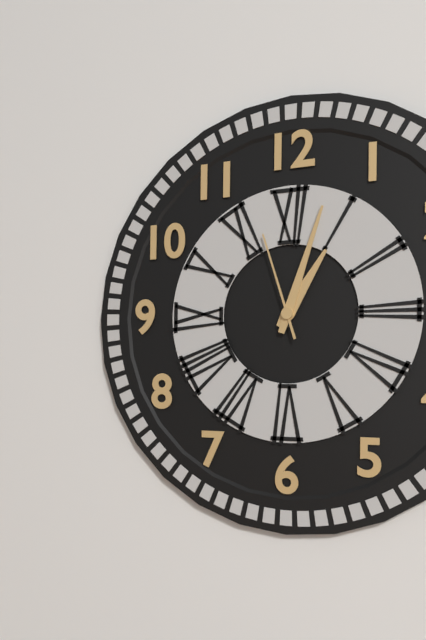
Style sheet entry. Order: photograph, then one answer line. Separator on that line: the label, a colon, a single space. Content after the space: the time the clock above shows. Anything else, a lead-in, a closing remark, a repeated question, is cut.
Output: 1:03:57
